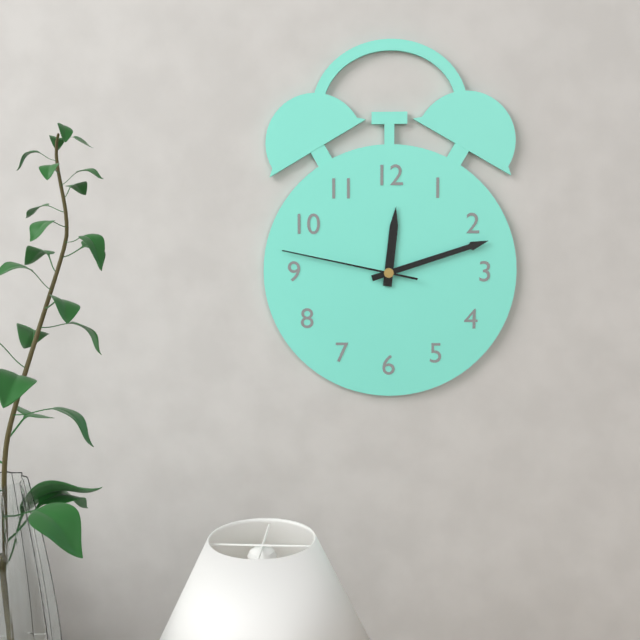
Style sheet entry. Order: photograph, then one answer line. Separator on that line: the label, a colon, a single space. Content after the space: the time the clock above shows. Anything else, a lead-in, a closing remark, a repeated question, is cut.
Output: 12:12:47
